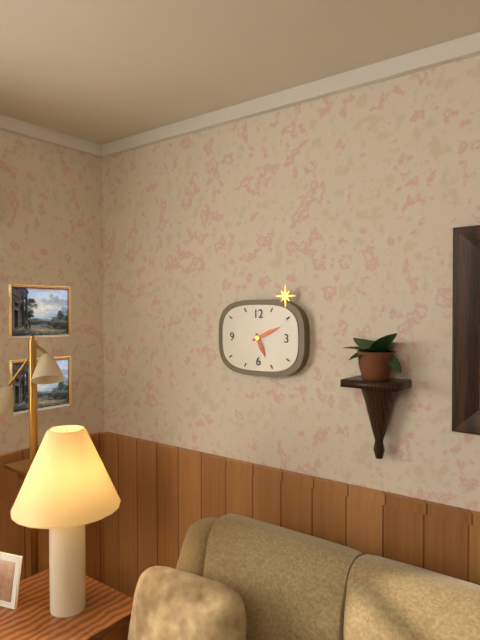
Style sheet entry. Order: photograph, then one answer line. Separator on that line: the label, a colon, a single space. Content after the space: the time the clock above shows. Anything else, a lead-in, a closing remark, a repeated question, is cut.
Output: 5:11
